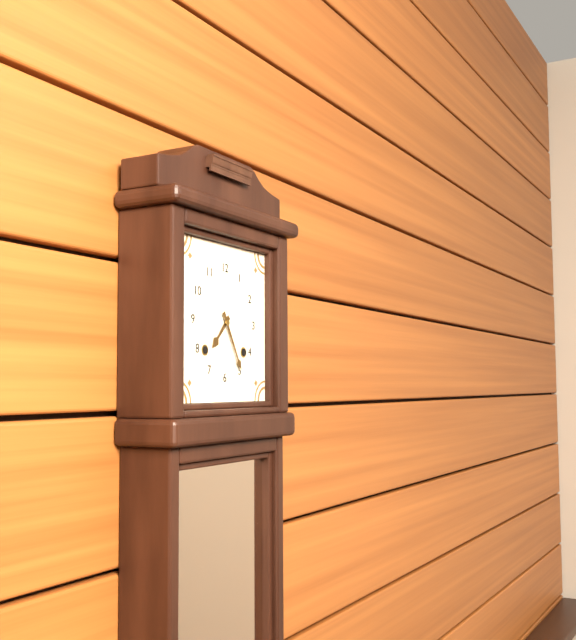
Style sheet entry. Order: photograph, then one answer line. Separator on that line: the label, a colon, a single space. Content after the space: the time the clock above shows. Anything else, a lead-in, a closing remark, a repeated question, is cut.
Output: 7:25
